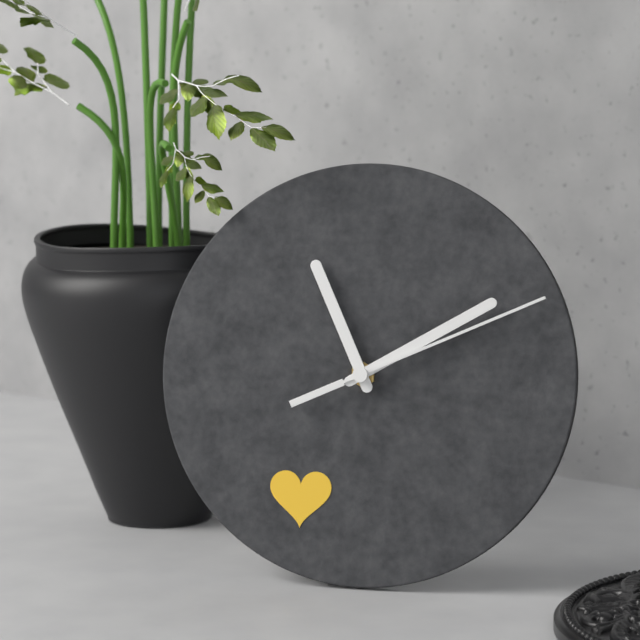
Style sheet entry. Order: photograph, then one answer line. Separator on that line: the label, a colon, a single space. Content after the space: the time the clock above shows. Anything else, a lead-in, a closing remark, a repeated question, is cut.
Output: 11:10:11
